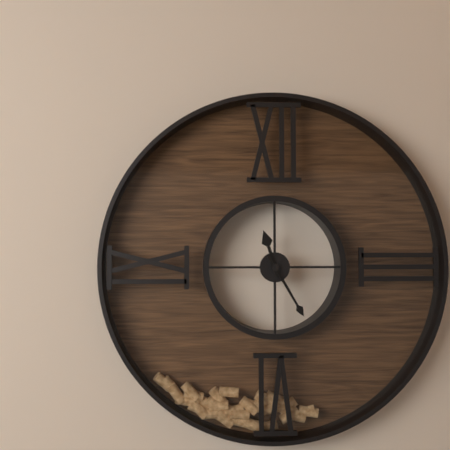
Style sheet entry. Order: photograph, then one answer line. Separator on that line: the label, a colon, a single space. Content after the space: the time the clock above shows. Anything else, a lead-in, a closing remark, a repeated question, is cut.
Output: 11:25
